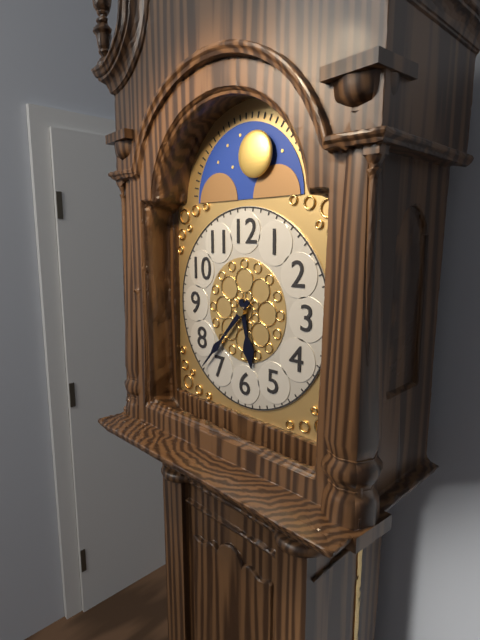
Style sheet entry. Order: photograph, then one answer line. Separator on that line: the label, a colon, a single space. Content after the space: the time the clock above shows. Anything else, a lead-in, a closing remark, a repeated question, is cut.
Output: 5:37
